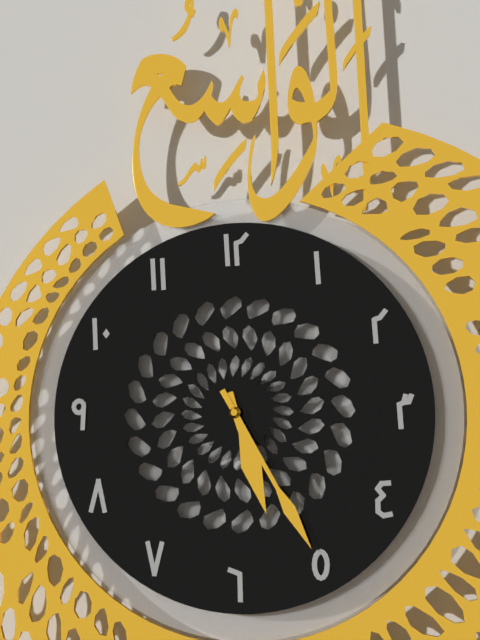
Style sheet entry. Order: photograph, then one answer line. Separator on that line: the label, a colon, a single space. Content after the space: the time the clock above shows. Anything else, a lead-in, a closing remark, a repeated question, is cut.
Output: 5:25
